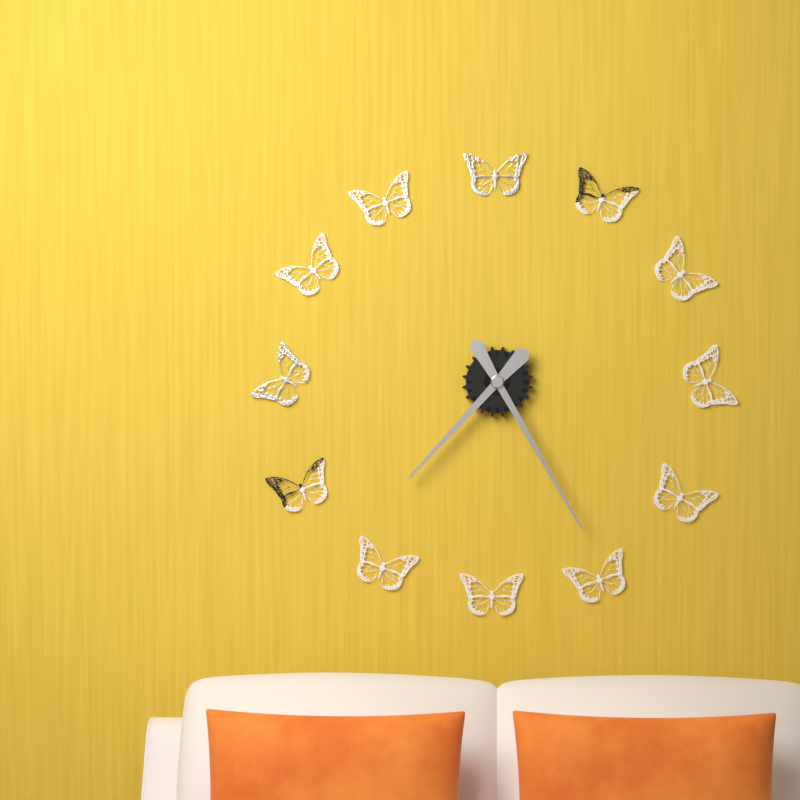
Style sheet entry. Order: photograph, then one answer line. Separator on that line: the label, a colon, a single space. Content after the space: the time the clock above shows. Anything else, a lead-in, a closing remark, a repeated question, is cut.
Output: 7:25
